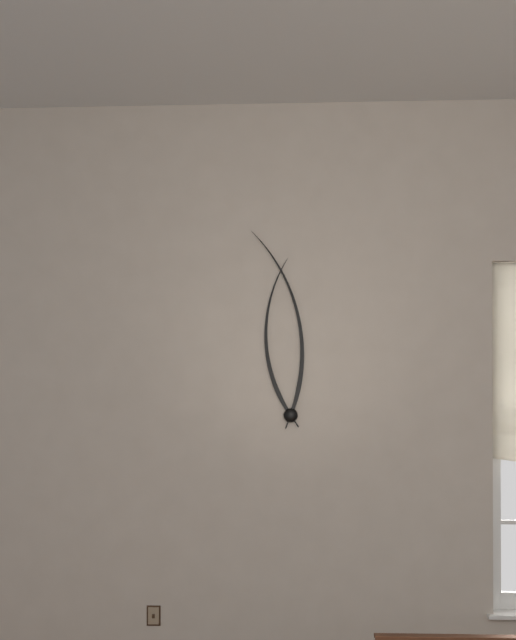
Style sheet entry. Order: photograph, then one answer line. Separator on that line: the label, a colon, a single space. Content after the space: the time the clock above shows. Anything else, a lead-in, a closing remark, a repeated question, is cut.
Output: 11:58
